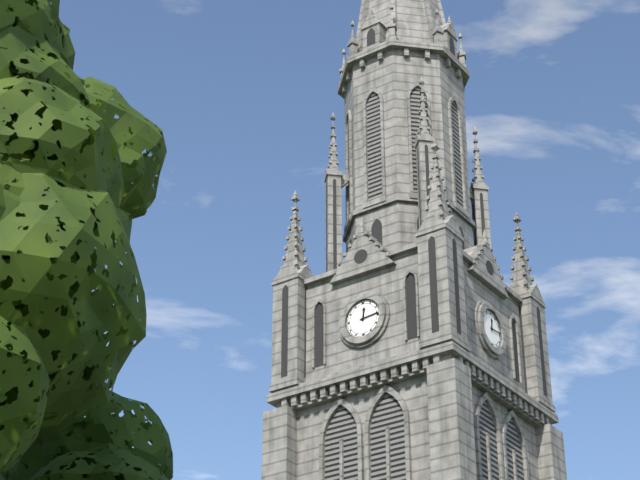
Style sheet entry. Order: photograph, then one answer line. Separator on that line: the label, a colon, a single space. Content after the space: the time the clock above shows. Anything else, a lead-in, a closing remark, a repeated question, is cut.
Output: 12:14
